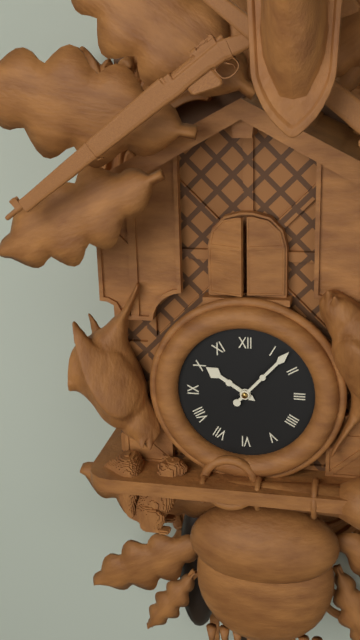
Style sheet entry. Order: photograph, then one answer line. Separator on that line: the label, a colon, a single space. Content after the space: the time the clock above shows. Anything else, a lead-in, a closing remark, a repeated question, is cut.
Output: 10:07
